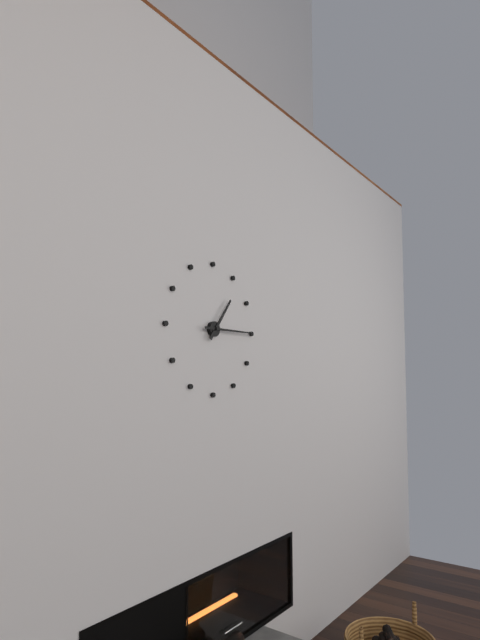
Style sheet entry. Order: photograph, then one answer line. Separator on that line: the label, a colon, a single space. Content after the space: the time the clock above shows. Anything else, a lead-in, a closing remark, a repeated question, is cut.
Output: 1:15
